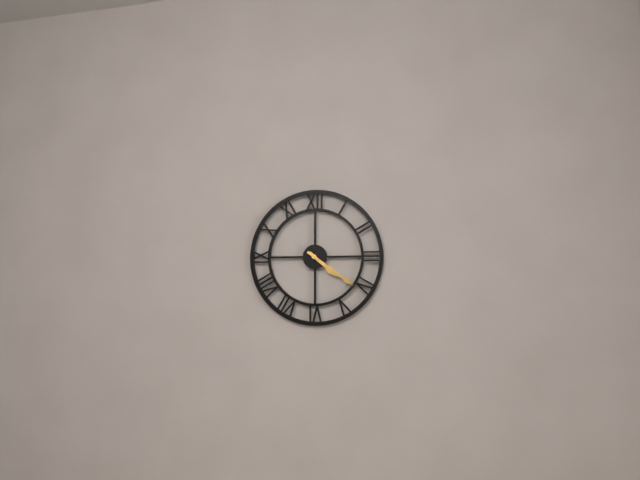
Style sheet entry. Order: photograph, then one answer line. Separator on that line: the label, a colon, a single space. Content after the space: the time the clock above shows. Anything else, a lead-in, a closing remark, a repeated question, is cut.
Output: 4:21
